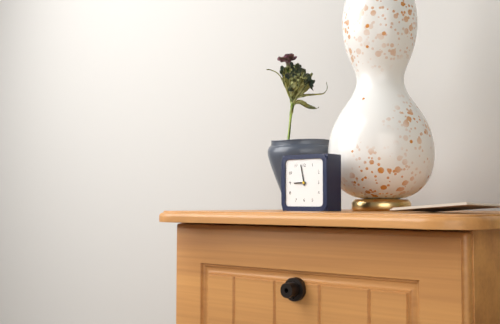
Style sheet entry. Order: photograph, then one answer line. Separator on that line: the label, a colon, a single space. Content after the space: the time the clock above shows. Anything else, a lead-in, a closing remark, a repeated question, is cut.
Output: 8:58
